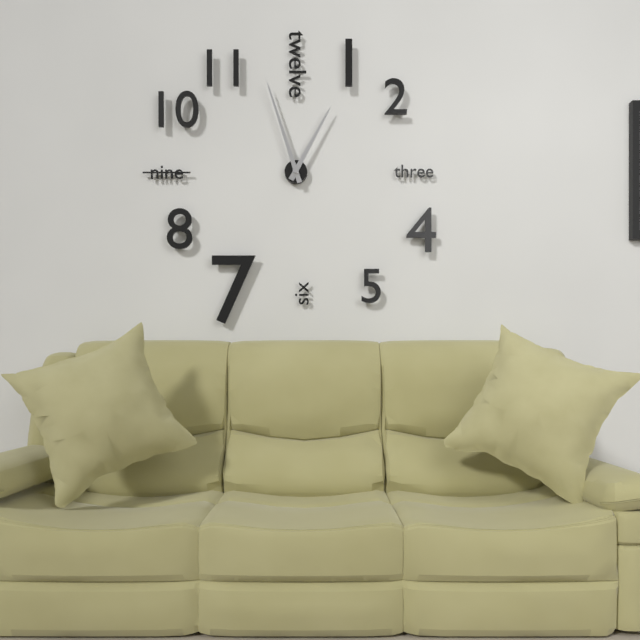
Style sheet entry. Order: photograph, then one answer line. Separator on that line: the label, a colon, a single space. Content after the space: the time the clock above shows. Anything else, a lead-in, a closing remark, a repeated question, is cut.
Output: 12:57
